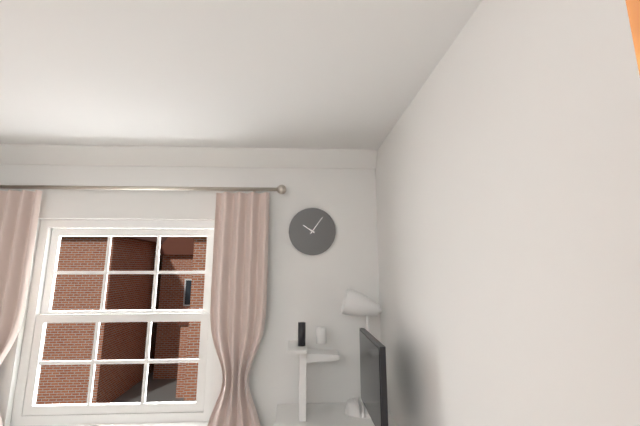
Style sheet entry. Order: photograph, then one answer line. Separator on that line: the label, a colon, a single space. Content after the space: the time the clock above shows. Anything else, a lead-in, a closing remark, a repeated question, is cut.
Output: 10:06
